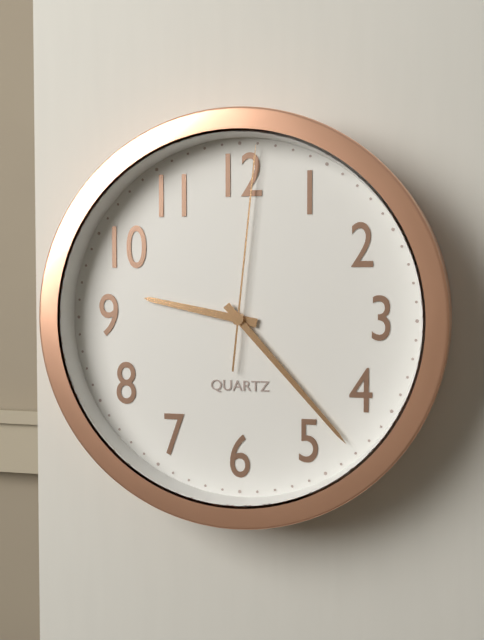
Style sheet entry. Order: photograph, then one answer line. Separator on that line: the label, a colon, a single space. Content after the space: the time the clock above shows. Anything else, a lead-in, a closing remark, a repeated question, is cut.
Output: 9:23:01
